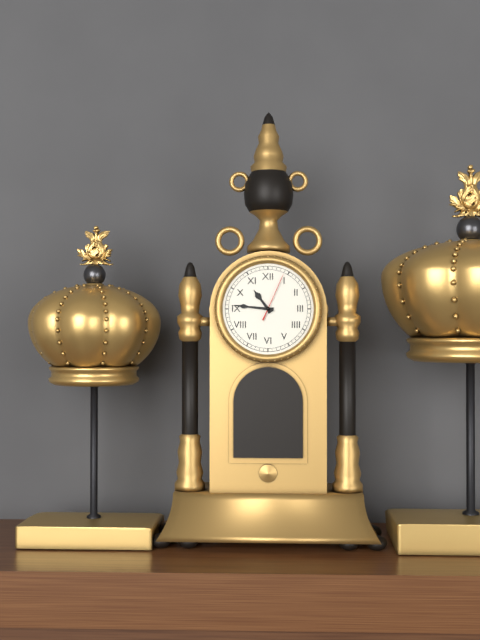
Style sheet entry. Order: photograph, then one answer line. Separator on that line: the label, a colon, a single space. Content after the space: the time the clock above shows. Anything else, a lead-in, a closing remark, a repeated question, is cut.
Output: 10:46
